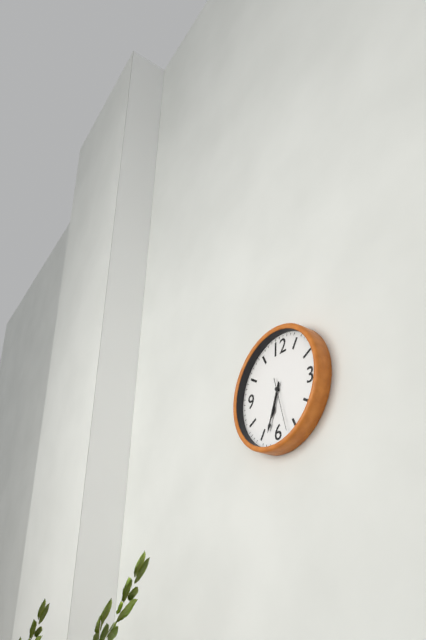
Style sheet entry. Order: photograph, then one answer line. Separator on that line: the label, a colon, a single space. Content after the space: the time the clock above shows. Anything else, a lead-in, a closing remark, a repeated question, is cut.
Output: 6:33:27
